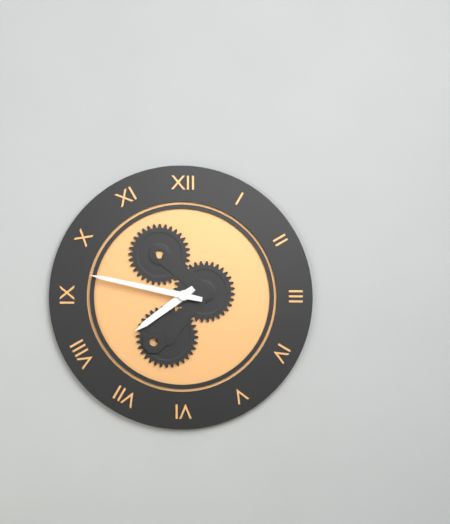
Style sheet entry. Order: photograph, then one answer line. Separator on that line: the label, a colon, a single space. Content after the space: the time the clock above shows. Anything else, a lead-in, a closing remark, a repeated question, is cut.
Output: 7:47
